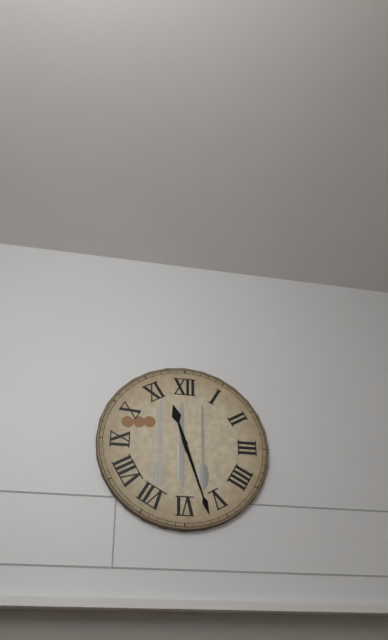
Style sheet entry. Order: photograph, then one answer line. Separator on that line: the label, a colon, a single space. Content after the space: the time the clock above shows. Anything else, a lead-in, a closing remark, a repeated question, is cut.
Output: 11:27
